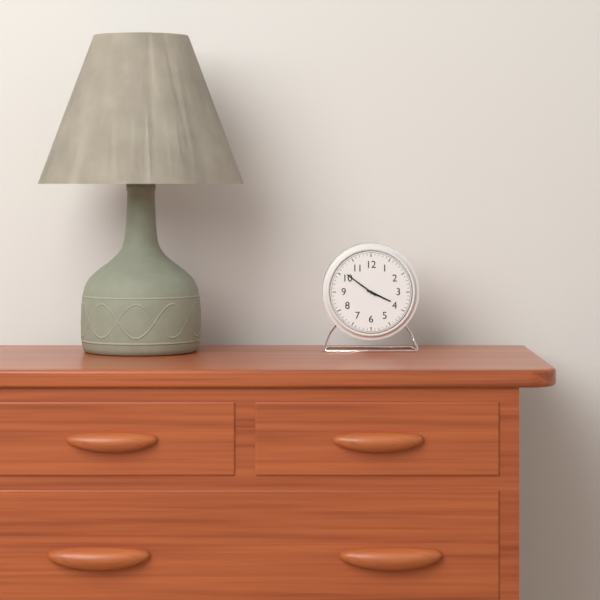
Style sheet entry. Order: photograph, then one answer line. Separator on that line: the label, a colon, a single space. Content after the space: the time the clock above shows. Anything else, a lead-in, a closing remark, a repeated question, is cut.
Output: 3:51
